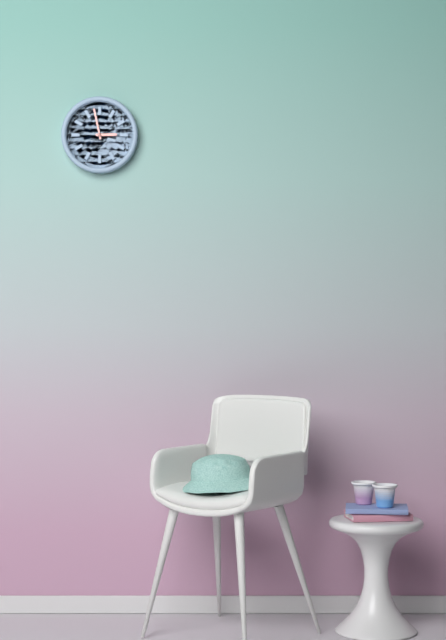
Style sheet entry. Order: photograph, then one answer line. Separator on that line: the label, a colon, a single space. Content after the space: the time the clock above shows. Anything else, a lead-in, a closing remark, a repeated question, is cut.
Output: 2:58
